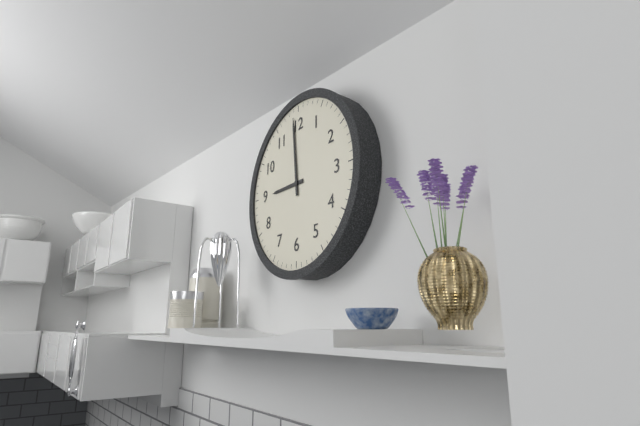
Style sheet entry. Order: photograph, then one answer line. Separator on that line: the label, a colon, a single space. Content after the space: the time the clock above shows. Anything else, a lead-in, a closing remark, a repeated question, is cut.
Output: 8:59
